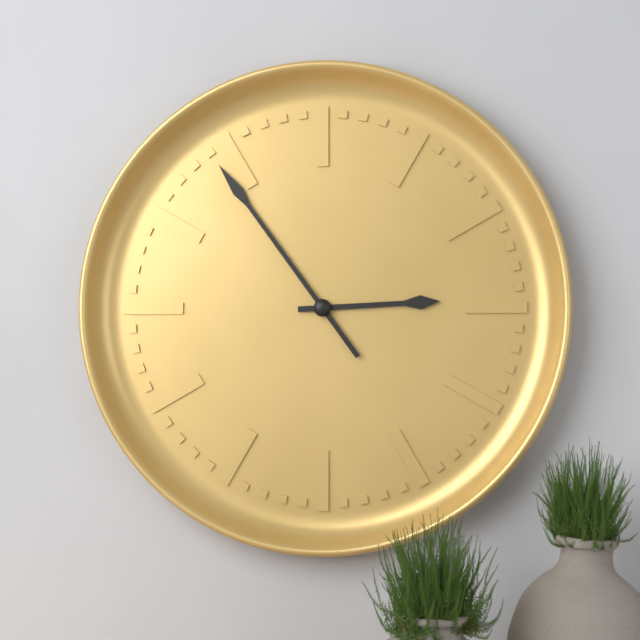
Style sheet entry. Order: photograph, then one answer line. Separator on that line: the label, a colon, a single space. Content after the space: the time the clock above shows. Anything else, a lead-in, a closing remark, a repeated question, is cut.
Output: 2:54
